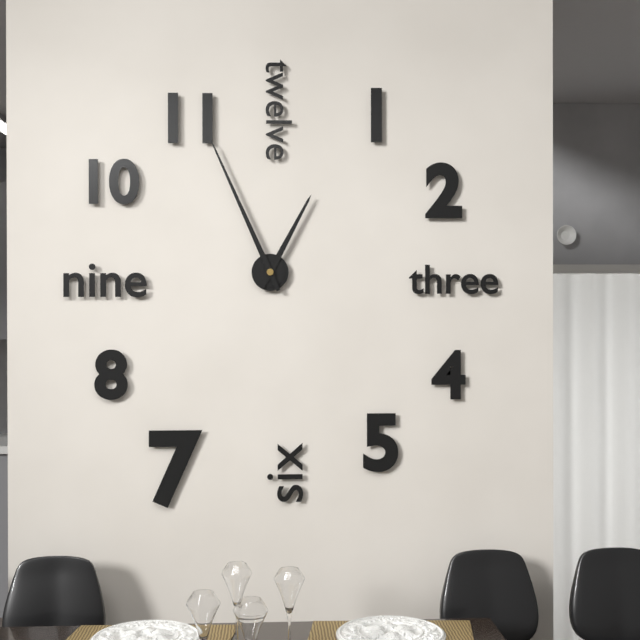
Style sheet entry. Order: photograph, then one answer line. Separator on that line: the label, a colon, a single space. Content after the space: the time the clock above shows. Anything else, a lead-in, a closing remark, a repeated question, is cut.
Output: 12:56
